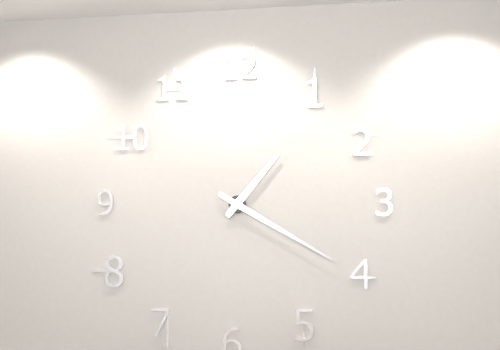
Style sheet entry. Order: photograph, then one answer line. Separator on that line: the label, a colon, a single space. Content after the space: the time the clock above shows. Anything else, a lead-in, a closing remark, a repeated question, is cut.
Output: 1:20
